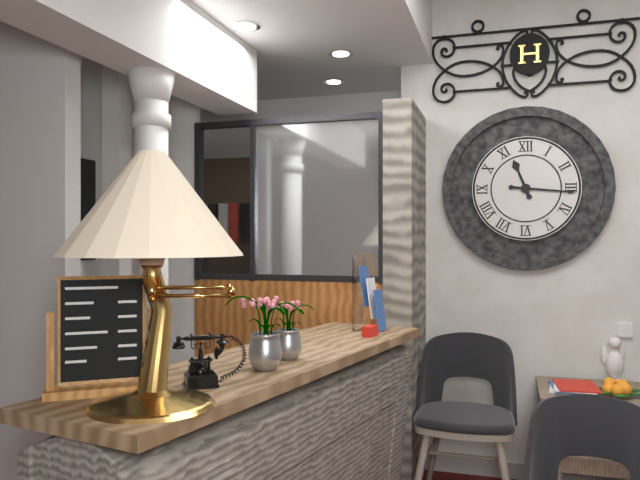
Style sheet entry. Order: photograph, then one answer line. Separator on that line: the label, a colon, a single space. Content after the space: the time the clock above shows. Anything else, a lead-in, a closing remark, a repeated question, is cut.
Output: 11:16
